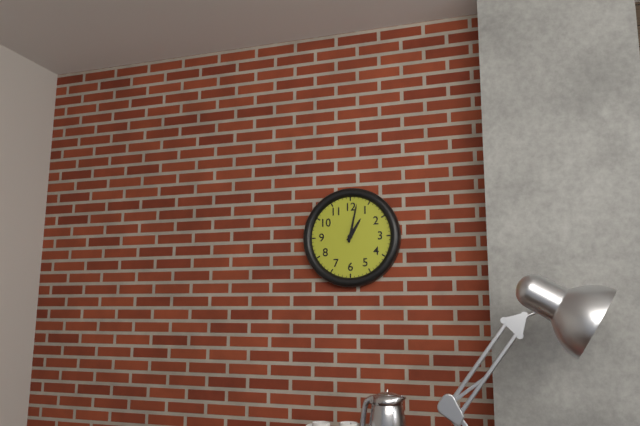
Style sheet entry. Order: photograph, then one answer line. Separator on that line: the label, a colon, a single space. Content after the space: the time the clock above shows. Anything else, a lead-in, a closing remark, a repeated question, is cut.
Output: 1:02
